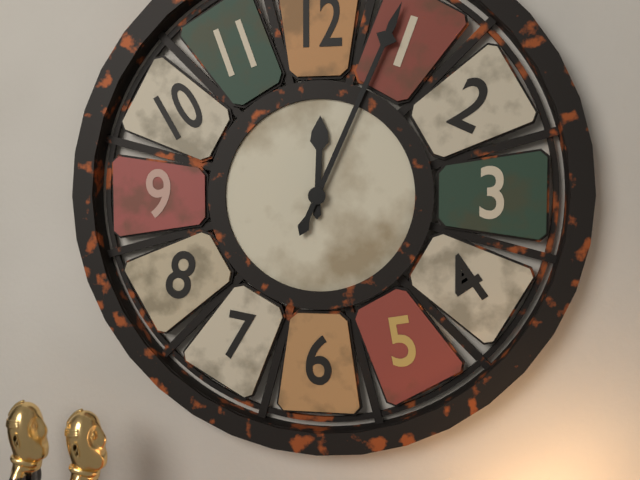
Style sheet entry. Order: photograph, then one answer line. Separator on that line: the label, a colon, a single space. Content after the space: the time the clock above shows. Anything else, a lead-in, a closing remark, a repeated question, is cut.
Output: 12:04
